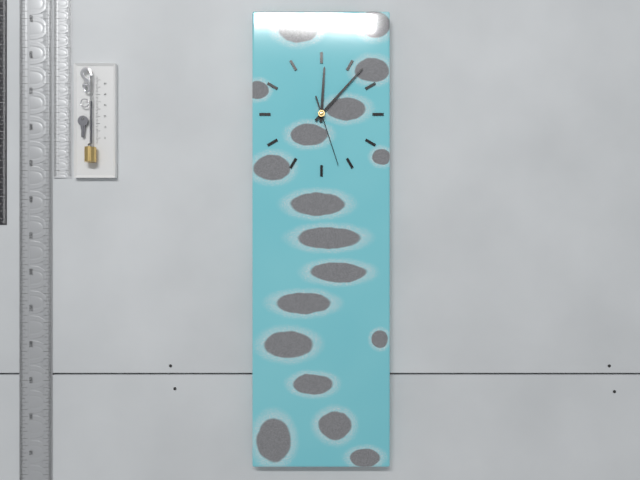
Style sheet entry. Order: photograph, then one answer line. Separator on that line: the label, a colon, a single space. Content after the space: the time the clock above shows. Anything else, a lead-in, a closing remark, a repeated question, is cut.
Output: 12:07:27
